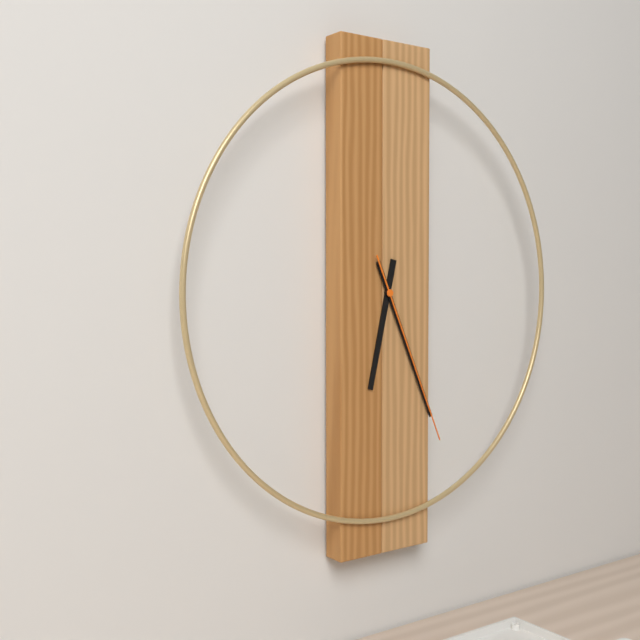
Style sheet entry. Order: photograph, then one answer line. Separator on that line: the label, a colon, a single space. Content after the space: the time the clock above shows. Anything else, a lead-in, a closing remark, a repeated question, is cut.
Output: 6:26:26
